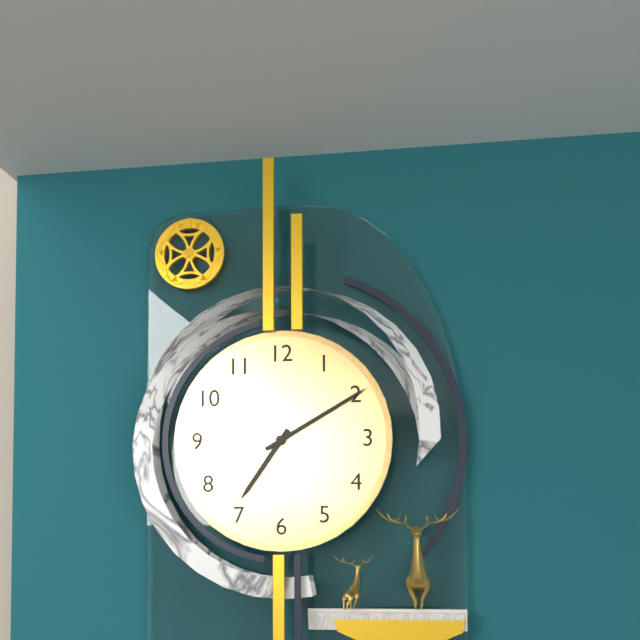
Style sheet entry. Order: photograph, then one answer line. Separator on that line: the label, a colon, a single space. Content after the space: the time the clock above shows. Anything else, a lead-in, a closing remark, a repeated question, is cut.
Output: 7:10
